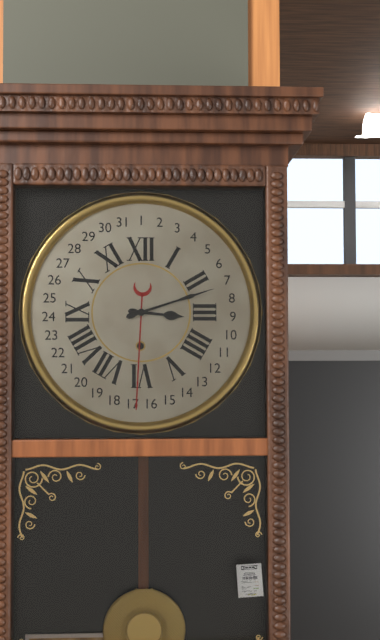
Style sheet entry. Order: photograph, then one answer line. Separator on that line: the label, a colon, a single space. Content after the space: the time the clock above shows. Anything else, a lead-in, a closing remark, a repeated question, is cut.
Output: 3:12
